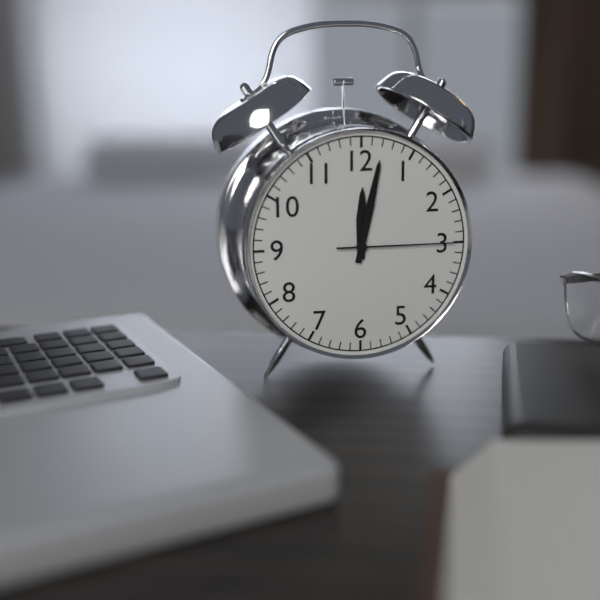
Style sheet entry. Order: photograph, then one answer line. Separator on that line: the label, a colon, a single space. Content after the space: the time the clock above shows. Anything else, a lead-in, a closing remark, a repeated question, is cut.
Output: 12:02:15
